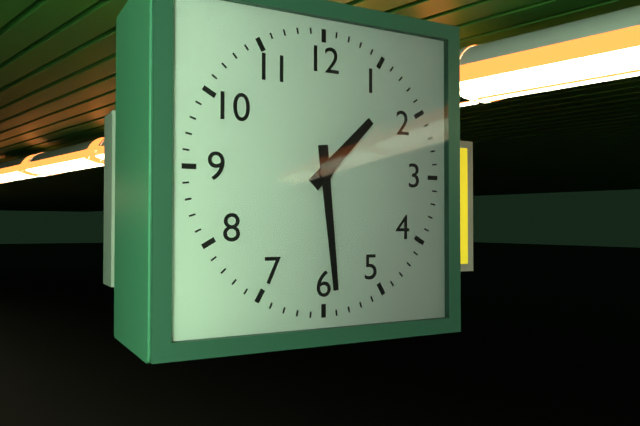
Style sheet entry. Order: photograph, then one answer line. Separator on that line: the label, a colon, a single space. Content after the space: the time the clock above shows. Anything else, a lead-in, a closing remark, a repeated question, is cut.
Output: 1:29
